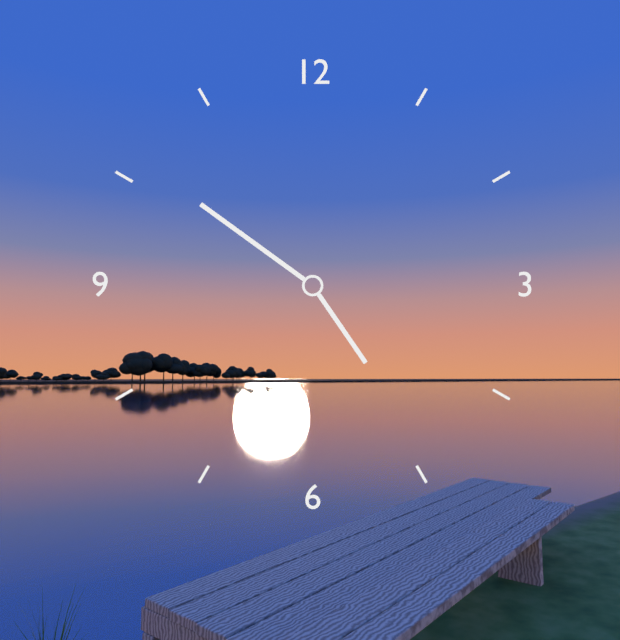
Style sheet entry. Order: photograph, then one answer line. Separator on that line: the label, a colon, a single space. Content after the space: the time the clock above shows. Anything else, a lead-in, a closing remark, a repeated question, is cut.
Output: 4:51
